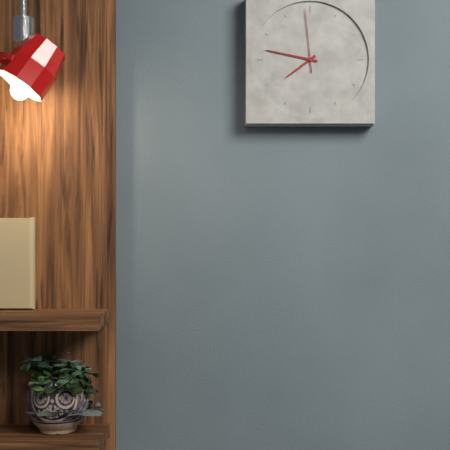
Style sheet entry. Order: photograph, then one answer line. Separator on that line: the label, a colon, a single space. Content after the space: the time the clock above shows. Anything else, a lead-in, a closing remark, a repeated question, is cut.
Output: 7:47:59
